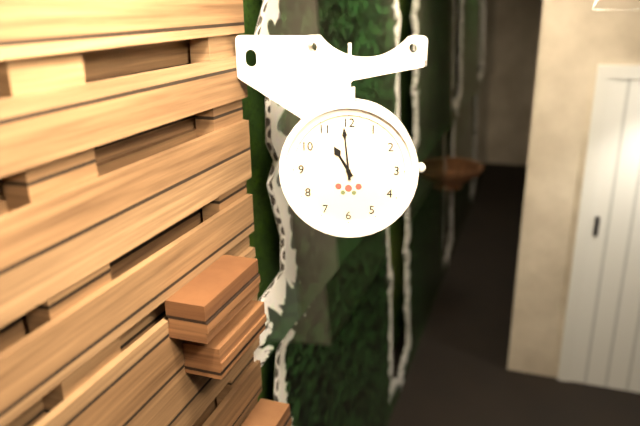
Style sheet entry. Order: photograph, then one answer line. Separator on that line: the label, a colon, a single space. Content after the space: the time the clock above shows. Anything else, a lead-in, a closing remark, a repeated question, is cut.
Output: 10:59
